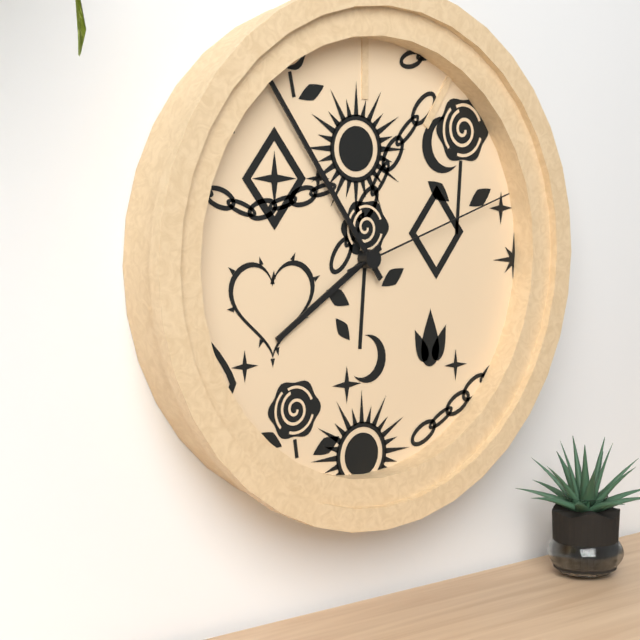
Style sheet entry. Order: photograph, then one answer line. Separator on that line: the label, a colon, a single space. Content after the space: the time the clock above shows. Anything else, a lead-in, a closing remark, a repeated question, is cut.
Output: 7:54:12
